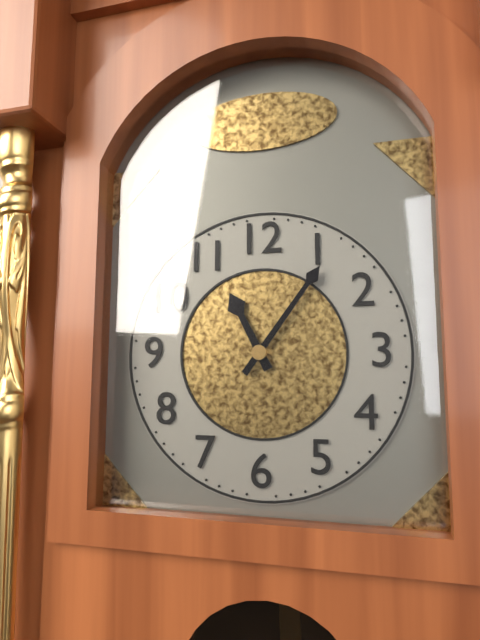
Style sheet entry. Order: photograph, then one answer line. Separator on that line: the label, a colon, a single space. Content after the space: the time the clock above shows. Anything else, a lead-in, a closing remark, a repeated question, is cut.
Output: 11:06
